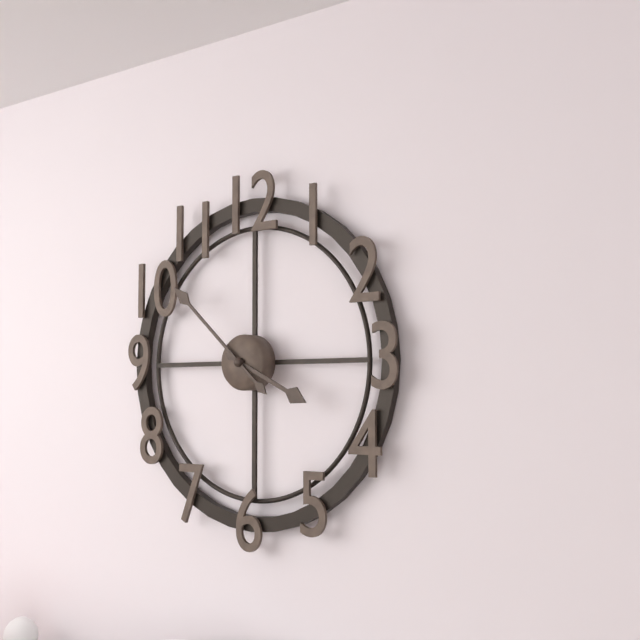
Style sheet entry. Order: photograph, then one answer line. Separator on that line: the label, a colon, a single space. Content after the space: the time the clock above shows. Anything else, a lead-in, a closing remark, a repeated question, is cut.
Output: 3:52
